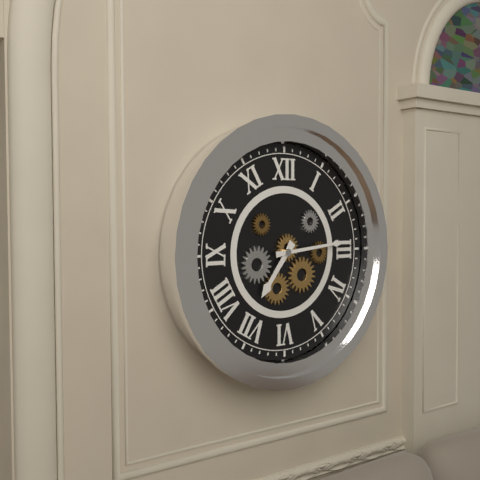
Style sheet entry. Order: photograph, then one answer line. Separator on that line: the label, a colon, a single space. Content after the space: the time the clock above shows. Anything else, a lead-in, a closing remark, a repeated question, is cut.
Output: 7:14
